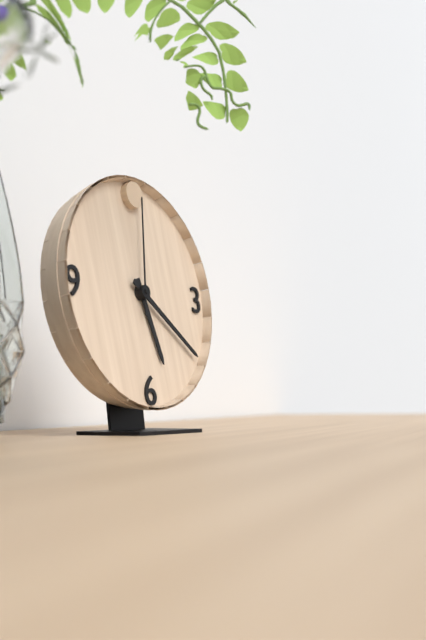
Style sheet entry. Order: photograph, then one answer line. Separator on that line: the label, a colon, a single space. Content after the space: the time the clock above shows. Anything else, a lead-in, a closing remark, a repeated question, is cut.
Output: 5:21:01
